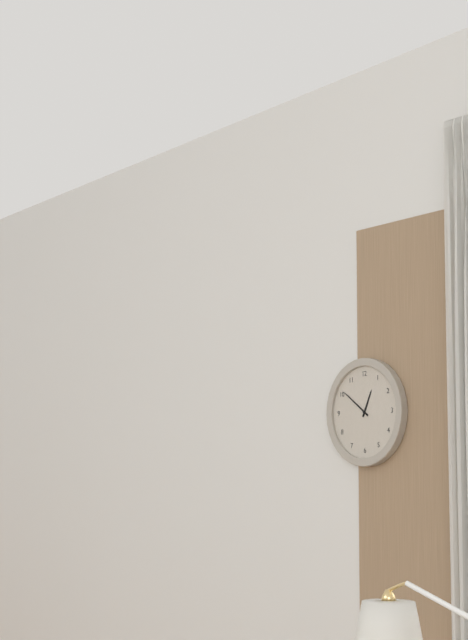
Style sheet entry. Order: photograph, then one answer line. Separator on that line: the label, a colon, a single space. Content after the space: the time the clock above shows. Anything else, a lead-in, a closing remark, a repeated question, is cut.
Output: 12:51
